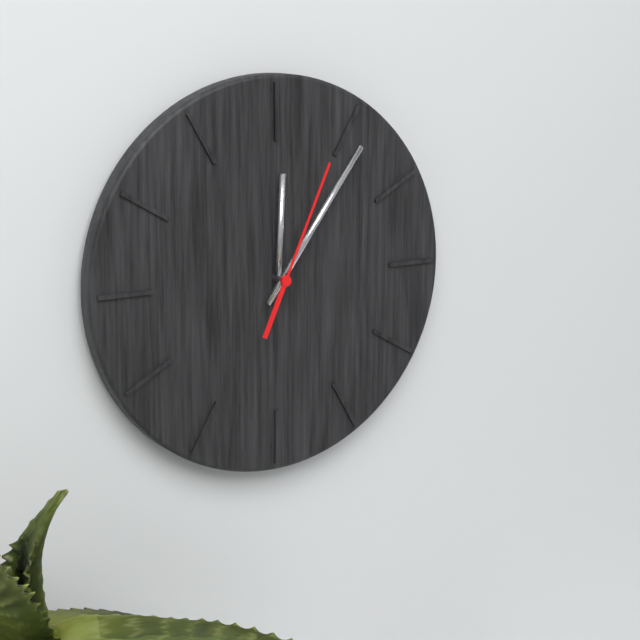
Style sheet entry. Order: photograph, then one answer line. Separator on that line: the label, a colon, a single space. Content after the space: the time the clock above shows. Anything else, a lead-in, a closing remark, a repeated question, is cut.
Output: 12:06:04
